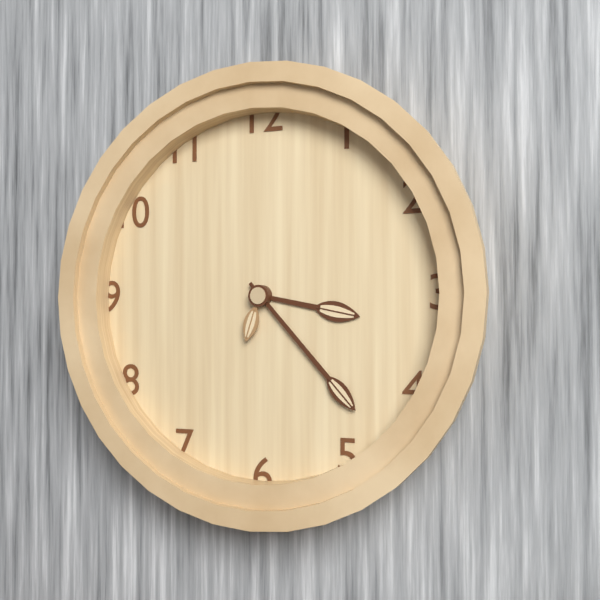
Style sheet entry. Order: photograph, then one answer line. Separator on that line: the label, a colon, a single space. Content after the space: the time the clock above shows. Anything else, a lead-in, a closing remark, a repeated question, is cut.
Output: 3:23:33
